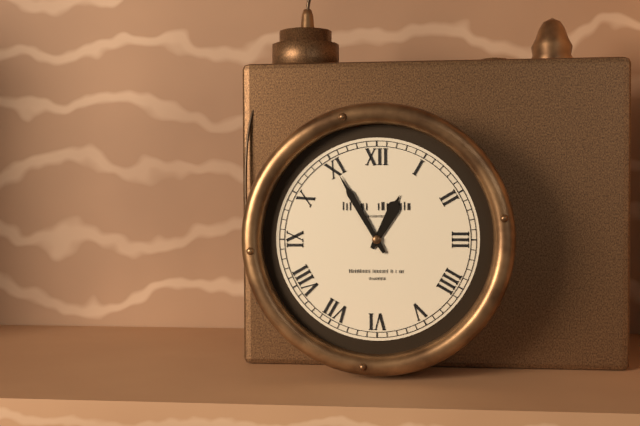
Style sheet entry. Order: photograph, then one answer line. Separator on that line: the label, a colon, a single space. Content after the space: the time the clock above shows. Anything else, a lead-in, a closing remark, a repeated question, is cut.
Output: 12:55
